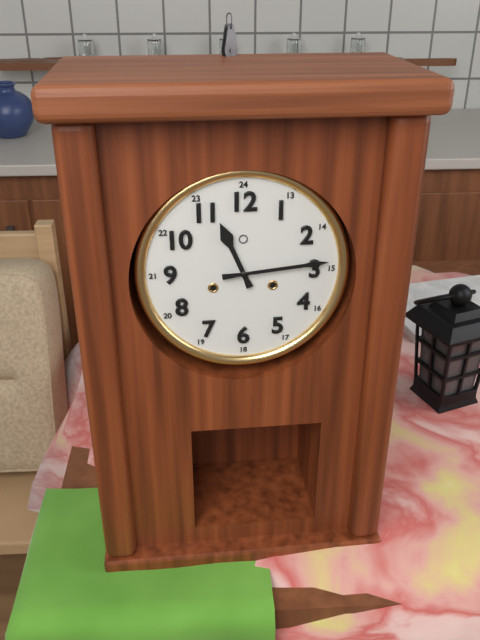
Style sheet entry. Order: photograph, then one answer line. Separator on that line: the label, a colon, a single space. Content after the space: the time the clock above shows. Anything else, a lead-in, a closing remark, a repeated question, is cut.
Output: 11:14
